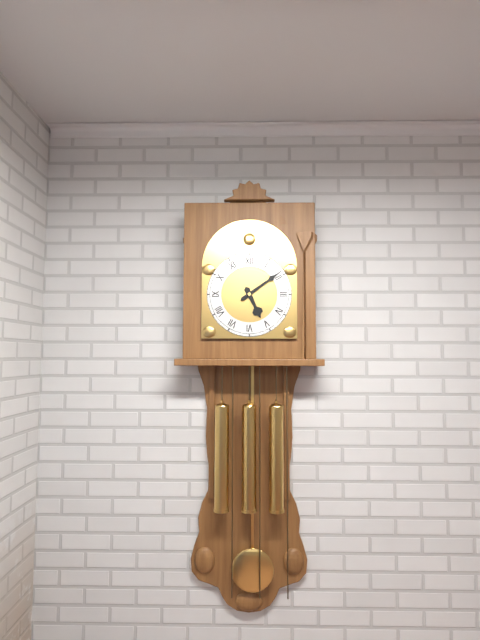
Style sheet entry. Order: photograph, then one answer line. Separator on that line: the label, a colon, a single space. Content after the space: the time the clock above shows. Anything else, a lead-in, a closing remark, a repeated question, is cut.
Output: 5:09
